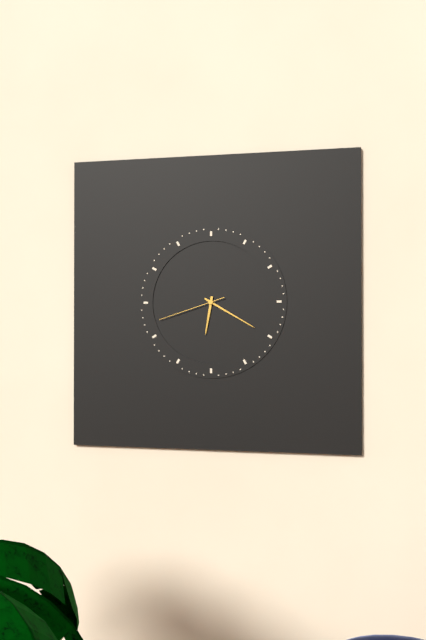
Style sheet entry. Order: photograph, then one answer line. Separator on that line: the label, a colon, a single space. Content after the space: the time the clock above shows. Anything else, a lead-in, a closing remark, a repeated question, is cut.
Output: 6:20:42
